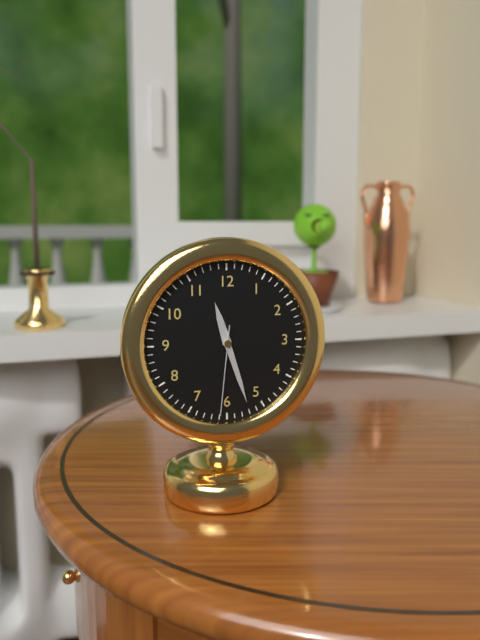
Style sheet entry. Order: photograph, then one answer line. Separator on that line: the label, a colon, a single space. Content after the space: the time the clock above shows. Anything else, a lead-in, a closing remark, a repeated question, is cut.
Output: 11:27:31
